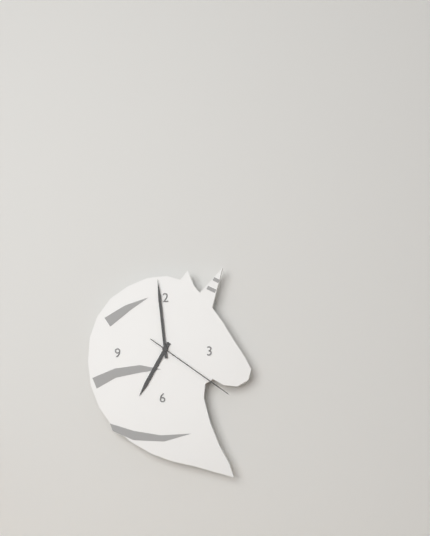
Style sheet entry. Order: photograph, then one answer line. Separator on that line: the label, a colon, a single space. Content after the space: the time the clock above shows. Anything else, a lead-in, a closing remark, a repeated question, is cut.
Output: 6:59:21
